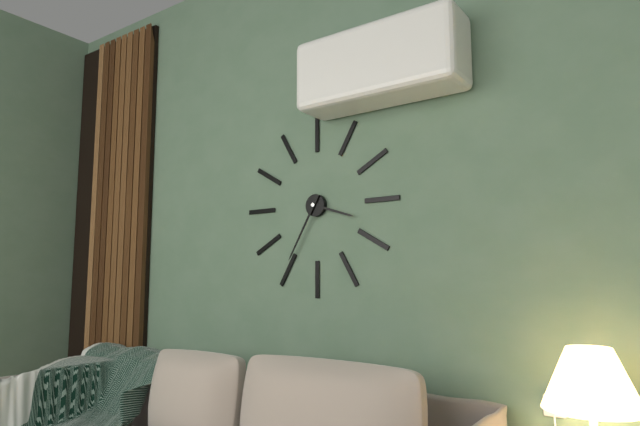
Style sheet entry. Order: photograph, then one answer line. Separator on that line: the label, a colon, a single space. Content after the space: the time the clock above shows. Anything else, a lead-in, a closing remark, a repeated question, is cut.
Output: 3:35
